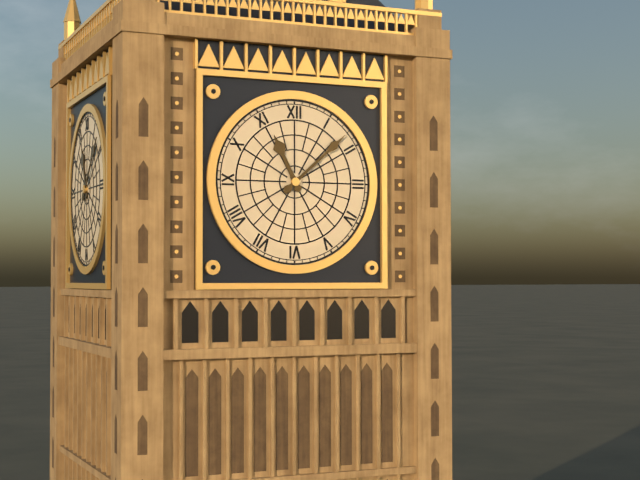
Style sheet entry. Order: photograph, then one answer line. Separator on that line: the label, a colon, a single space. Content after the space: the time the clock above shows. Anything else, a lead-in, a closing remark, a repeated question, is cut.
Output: 11:08
